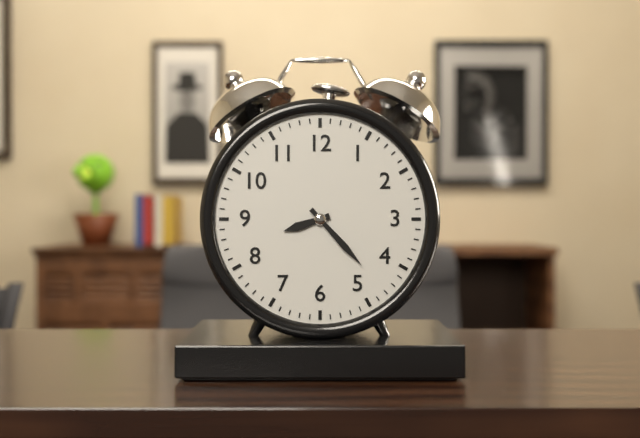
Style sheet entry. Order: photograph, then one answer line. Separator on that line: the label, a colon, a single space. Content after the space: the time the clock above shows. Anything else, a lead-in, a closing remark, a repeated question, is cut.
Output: 8:23
